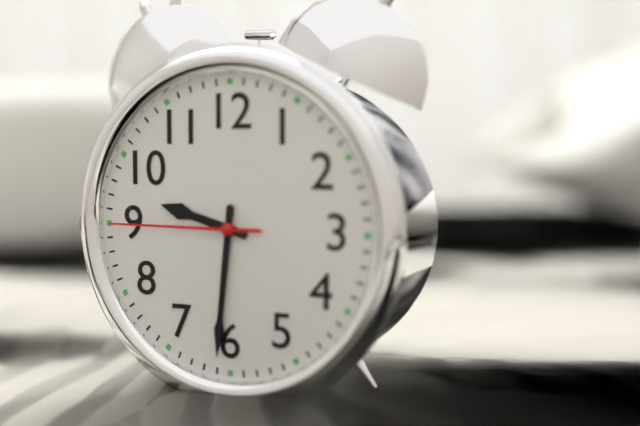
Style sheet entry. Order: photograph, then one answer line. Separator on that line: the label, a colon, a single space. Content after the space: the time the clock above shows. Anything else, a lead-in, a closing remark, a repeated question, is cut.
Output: 9:31:45
